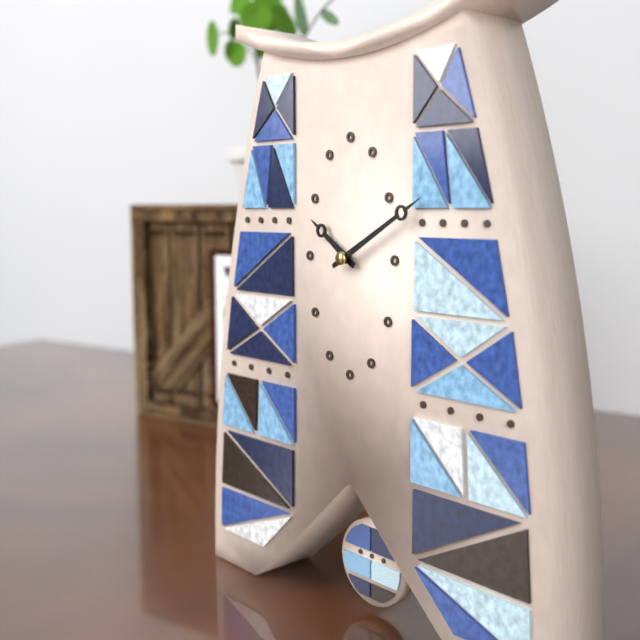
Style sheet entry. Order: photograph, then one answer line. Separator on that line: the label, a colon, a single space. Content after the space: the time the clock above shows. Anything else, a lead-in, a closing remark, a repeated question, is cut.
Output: 10:10
